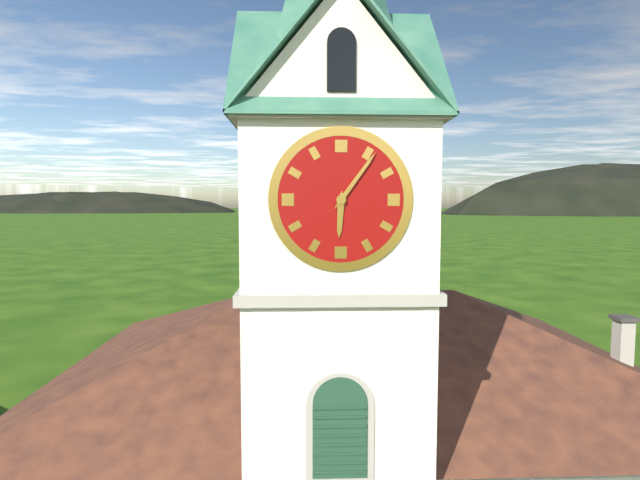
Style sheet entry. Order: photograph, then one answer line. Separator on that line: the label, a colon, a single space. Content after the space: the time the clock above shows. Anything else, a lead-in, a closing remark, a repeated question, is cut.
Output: 6:06
